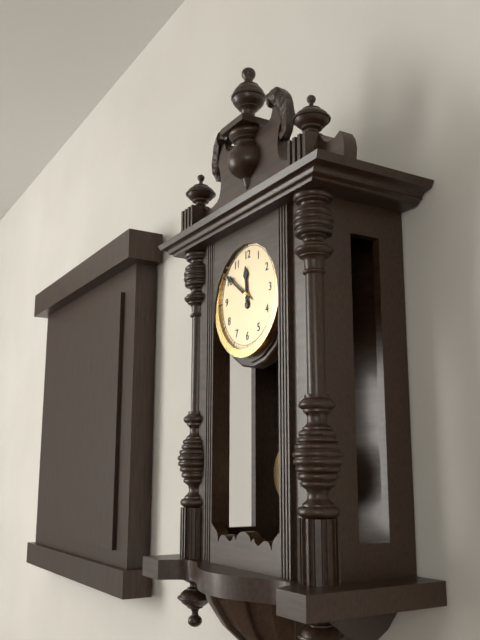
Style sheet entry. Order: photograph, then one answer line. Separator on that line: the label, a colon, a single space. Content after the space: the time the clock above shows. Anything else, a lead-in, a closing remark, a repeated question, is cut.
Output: 11:51
